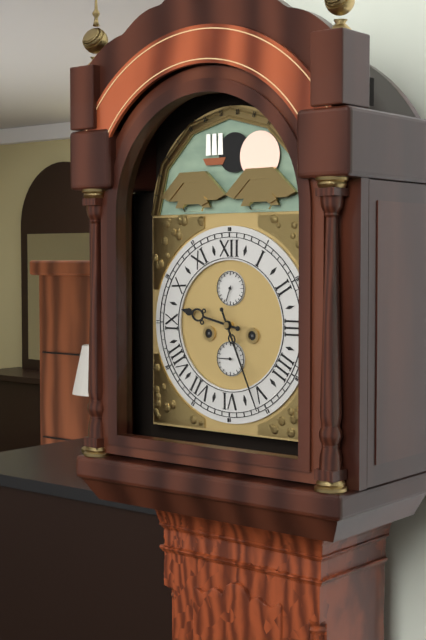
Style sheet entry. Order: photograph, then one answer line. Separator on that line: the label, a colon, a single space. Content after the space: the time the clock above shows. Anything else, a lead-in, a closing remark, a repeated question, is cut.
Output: 9:26
